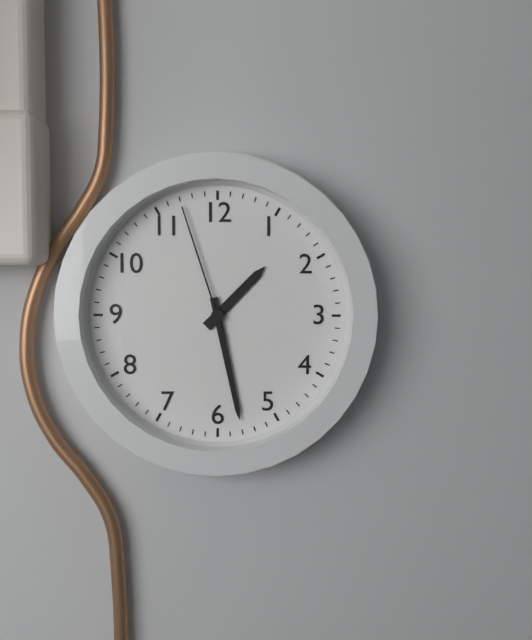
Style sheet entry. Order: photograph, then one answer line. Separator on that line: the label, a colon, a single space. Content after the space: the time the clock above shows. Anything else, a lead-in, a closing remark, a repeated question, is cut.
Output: 1:28:57
